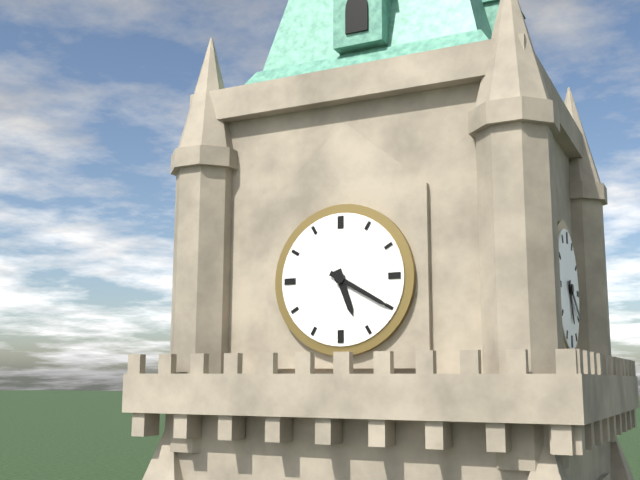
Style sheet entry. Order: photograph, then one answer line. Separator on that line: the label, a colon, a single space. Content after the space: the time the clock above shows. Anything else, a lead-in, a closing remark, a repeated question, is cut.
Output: 5:20
